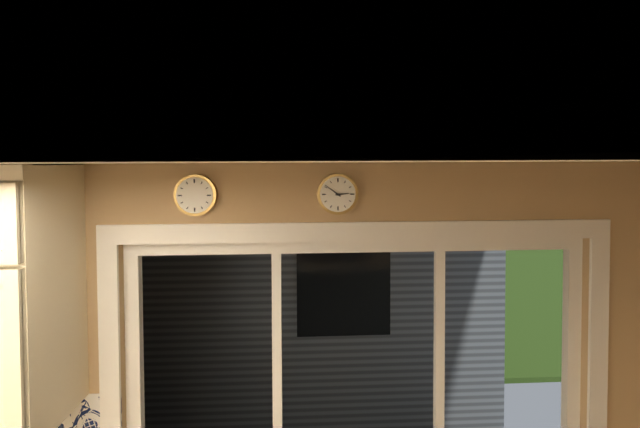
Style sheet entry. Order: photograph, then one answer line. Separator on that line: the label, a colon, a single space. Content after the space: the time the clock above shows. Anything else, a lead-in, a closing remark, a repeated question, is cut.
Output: 2:51
